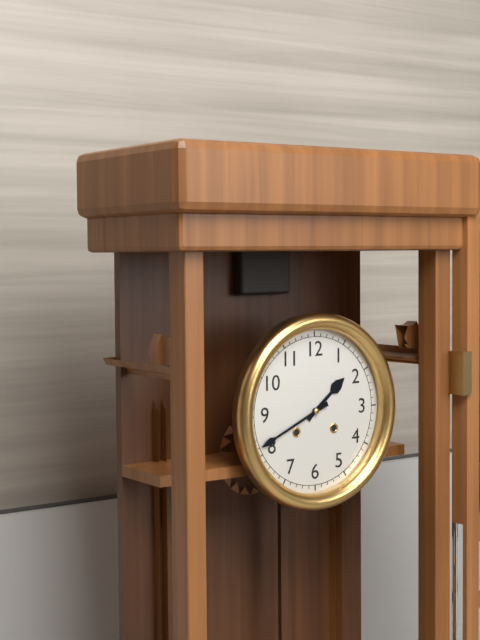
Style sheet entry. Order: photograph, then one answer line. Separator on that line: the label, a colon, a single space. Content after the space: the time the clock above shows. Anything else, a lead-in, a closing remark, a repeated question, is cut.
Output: 1:41
